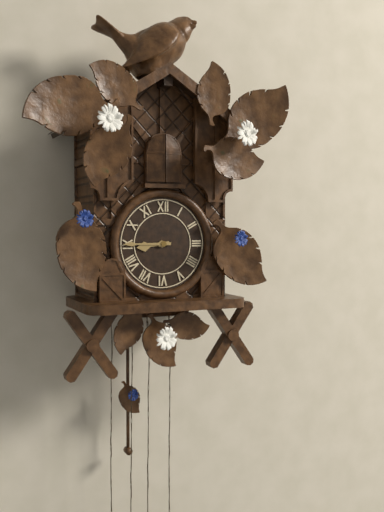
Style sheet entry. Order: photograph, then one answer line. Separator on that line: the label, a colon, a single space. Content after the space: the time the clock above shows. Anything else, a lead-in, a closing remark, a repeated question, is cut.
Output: 8:45
